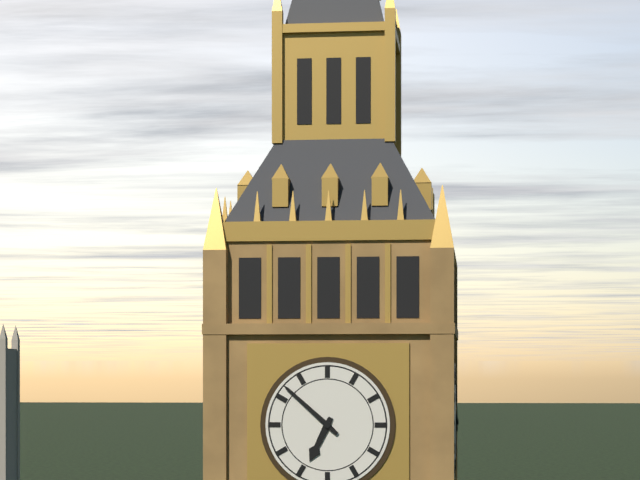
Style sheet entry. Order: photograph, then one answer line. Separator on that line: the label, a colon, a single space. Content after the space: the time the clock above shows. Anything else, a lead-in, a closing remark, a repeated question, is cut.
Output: 6:52
